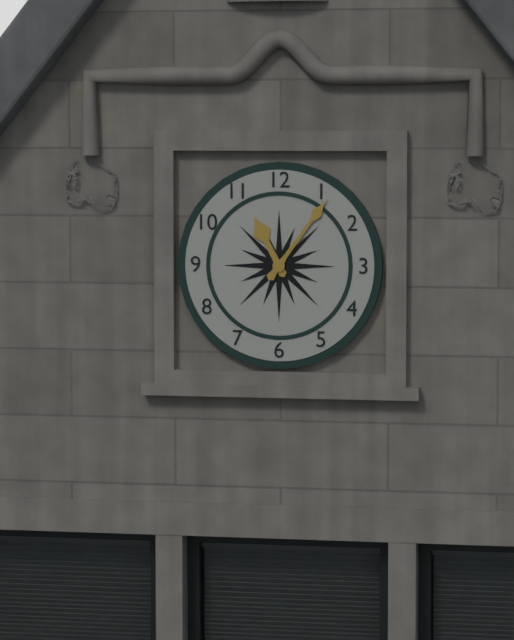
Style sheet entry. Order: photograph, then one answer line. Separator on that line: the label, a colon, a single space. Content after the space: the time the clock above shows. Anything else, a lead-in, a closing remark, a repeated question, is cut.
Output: 11:06
